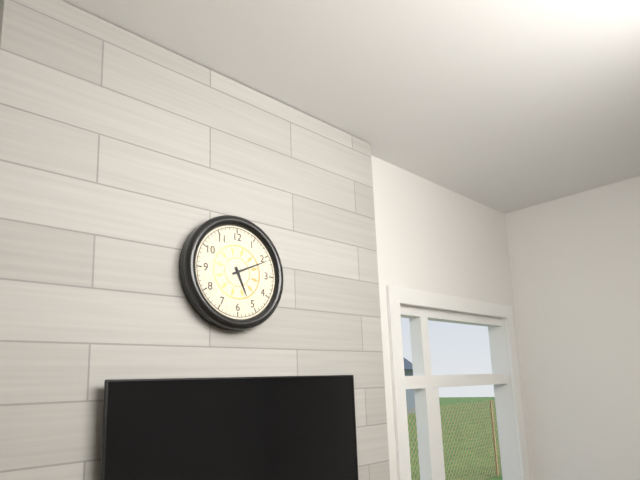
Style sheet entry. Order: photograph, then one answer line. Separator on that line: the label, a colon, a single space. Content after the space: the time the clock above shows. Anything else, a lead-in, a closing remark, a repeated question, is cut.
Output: 5:11
